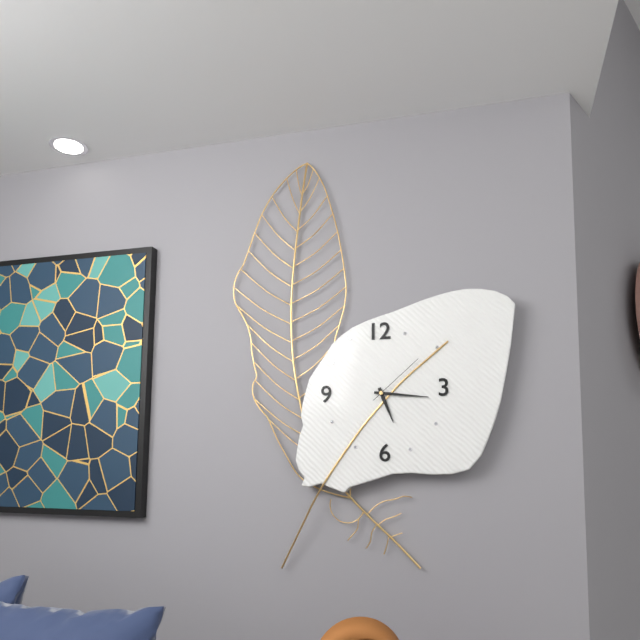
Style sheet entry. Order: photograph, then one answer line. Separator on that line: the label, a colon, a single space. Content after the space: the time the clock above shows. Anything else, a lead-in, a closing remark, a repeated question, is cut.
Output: 5:16:08
